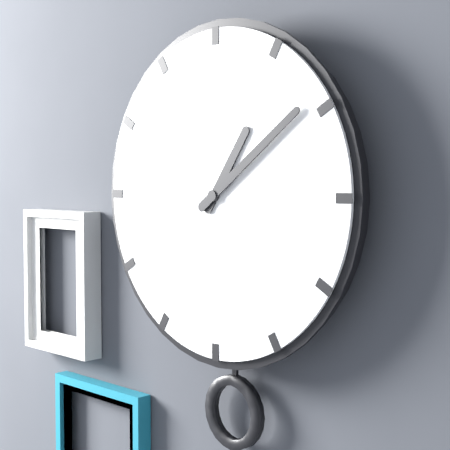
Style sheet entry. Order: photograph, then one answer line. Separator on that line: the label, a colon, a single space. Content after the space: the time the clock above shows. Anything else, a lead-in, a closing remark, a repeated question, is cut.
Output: 1:09
